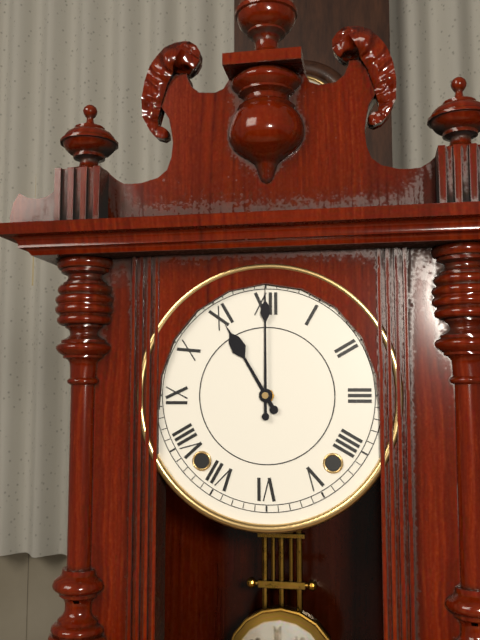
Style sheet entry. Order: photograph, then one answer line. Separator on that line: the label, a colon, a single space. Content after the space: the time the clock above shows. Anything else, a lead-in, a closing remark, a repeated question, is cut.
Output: 11:00
